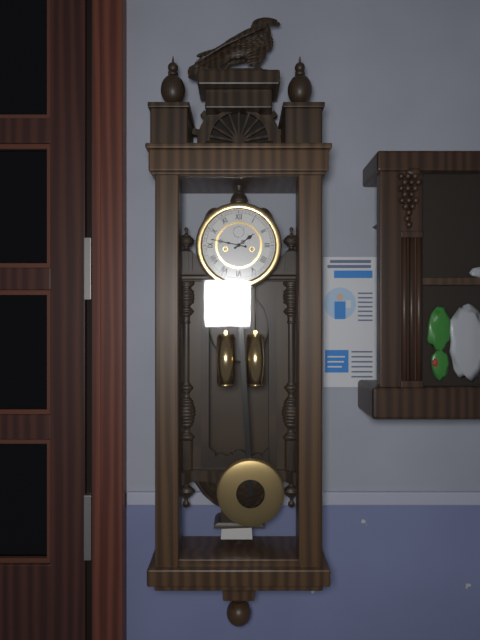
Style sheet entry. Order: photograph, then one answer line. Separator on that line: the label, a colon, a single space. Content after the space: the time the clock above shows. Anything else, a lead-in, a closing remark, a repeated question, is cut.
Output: 1:47
